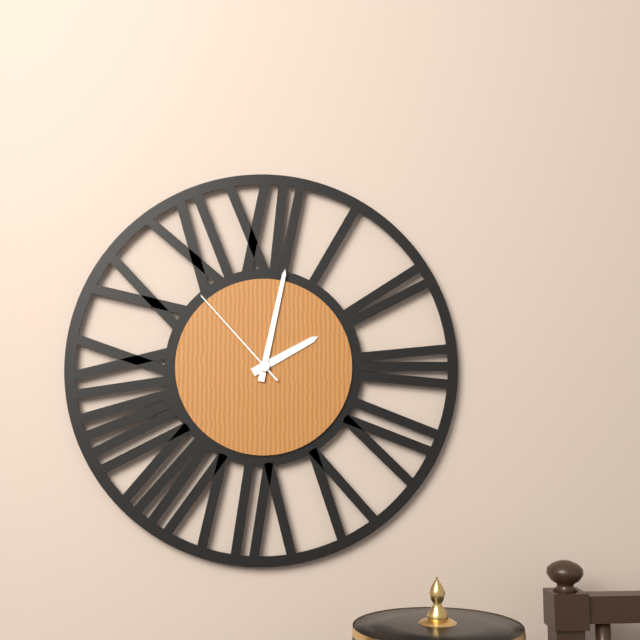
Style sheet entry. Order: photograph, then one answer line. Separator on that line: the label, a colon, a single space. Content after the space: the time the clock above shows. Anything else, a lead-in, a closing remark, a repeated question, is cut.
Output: 2:02:53
